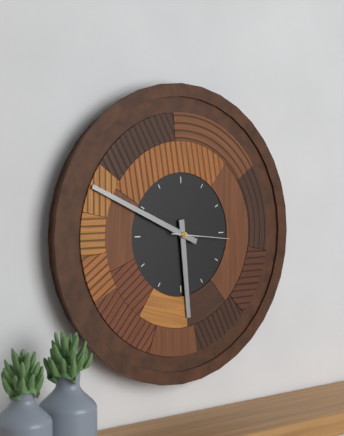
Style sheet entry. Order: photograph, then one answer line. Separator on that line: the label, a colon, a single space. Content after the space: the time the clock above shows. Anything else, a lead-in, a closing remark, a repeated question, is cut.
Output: 5:49:16
